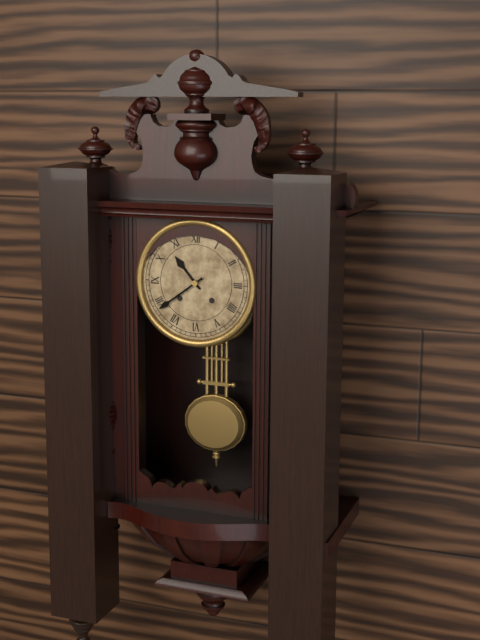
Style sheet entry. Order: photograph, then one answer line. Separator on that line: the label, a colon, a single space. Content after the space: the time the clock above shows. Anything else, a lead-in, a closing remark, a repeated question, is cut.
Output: 10:39
